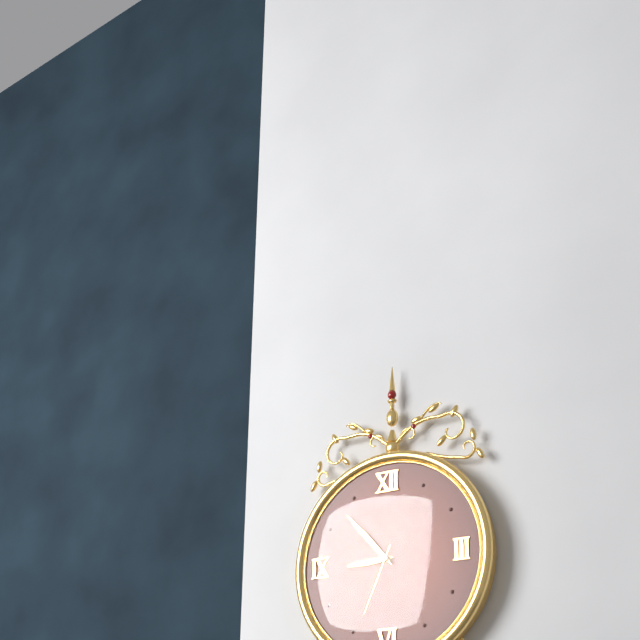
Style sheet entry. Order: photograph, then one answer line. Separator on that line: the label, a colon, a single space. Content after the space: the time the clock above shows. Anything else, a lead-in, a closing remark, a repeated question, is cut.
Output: 8:53:34
